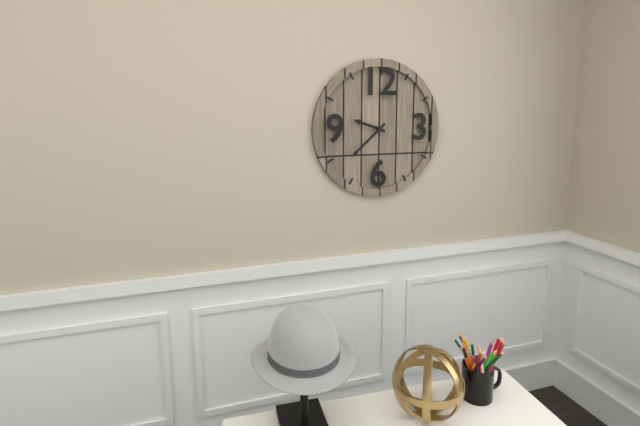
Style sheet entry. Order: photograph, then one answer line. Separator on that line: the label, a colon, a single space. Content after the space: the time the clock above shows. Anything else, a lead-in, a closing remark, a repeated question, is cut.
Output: 9:38
